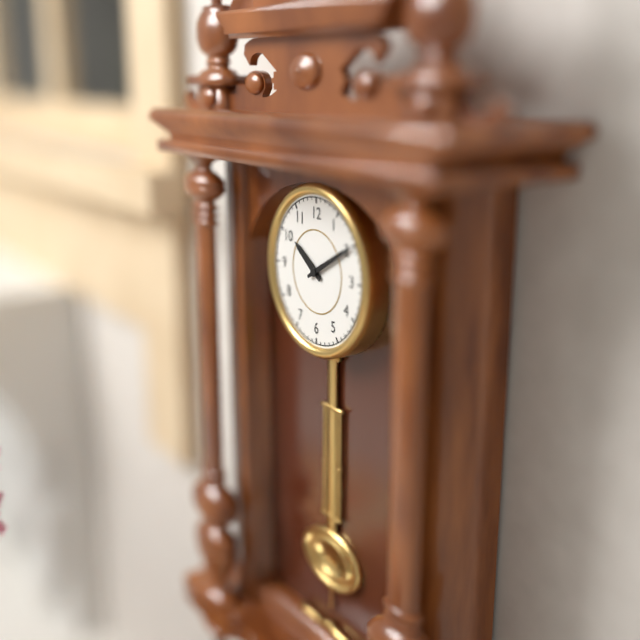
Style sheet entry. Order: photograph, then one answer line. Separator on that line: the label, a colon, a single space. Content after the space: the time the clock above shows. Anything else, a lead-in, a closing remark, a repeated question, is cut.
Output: 10:10
